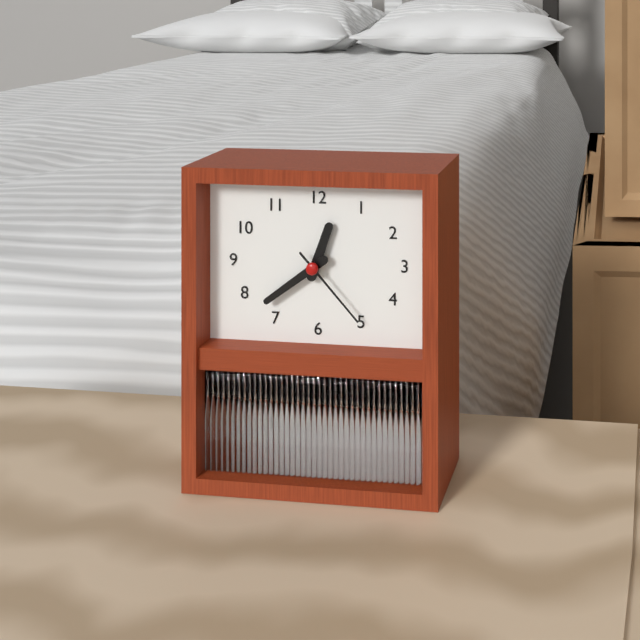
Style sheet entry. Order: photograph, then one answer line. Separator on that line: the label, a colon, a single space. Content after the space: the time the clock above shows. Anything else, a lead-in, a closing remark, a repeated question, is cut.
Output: 12:39:23
